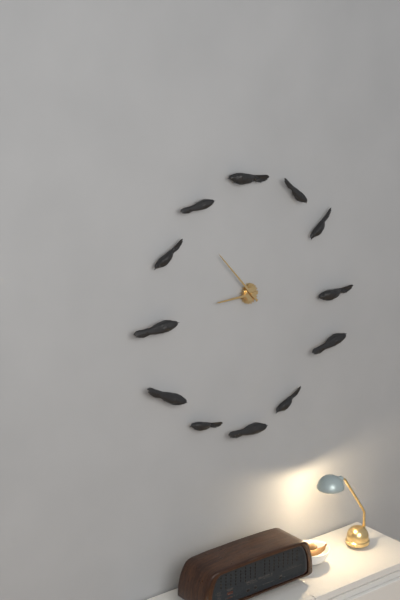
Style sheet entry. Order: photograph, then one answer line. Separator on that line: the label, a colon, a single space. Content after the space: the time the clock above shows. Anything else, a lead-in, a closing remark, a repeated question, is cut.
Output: 8:53
